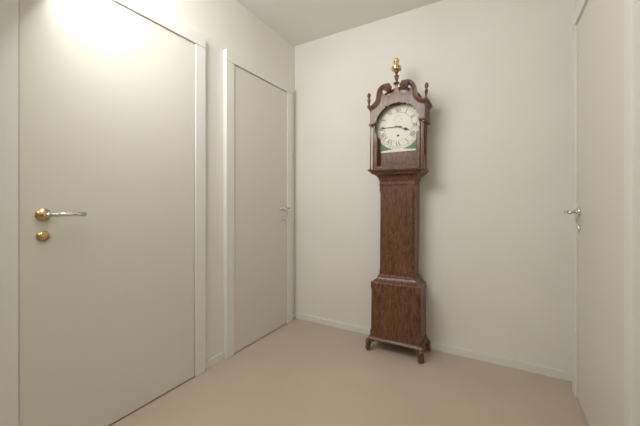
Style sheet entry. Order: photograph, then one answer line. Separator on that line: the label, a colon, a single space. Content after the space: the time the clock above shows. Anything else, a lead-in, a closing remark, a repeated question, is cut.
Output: 3:45
